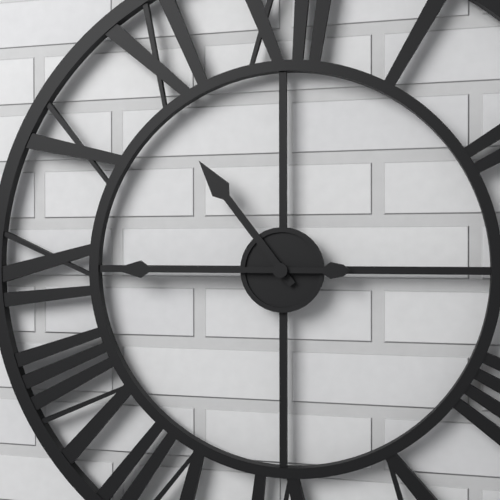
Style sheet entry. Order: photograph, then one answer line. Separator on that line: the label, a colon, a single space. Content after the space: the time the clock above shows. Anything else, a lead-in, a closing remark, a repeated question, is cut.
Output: 10:45
